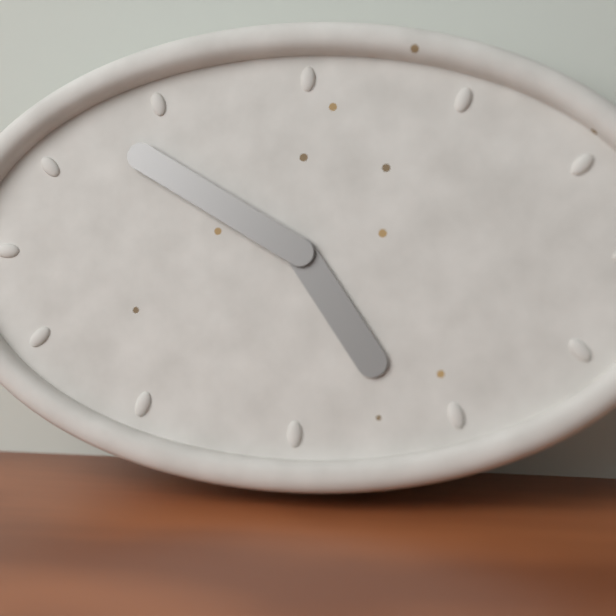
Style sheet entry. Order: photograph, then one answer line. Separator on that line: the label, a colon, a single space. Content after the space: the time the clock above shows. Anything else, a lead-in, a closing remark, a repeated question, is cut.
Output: 4:50
